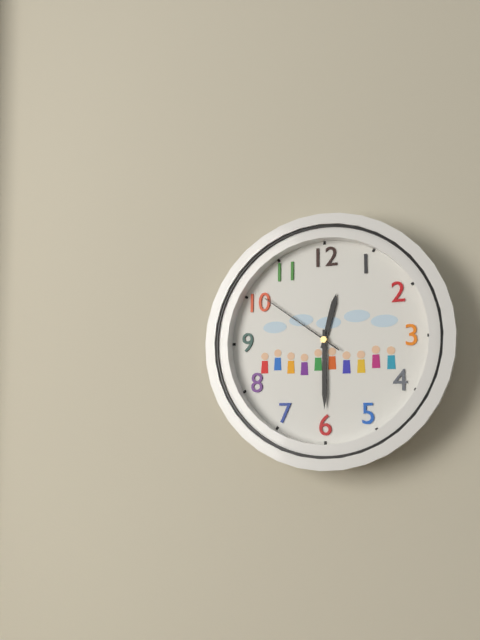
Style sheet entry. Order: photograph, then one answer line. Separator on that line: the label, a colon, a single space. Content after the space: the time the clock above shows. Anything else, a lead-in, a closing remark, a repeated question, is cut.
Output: 12:30:51
